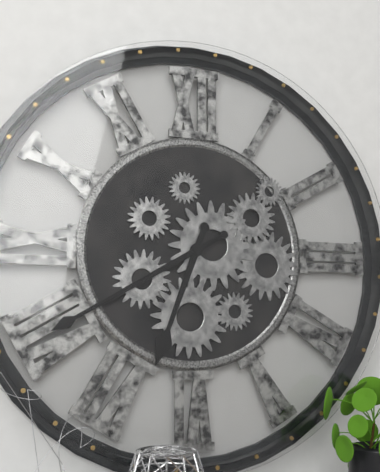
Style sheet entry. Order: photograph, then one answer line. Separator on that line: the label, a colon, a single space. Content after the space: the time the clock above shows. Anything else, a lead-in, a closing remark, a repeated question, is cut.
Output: 6:40
